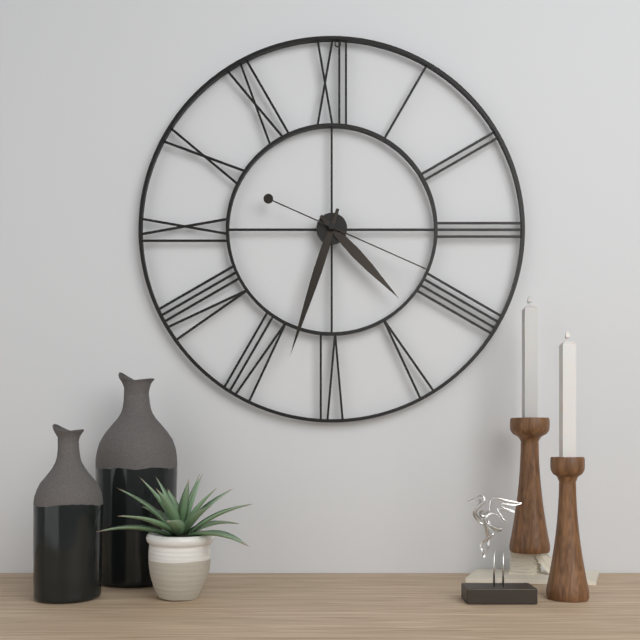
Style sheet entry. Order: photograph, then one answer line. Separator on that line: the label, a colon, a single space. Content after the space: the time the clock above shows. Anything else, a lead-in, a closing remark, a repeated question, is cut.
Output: 4:33:19
